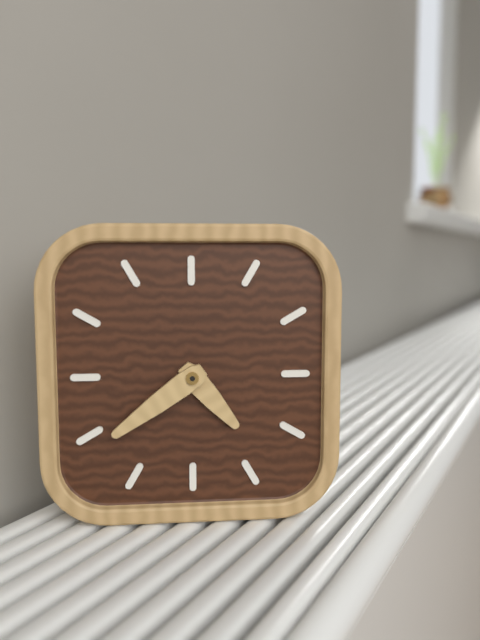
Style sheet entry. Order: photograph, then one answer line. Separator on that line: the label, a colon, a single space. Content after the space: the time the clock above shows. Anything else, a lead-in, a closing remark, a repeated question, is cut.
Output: 4:39
